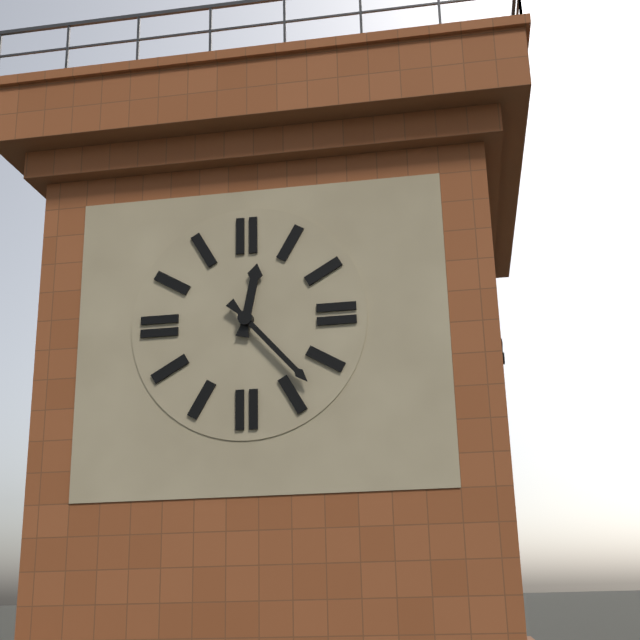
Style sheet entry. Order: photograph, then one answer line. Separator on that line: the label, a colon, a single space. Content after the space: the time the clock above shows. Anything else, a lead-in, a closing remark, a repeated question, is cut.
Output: 12:23
